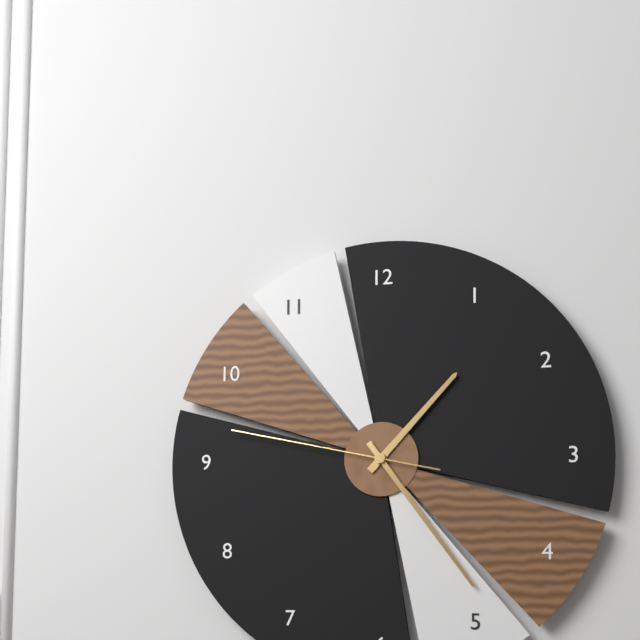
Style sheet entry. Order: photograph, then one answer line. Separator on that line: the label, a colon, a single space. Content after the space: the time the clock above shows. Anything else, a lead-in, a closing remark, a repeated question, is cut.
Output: 1:24:47
